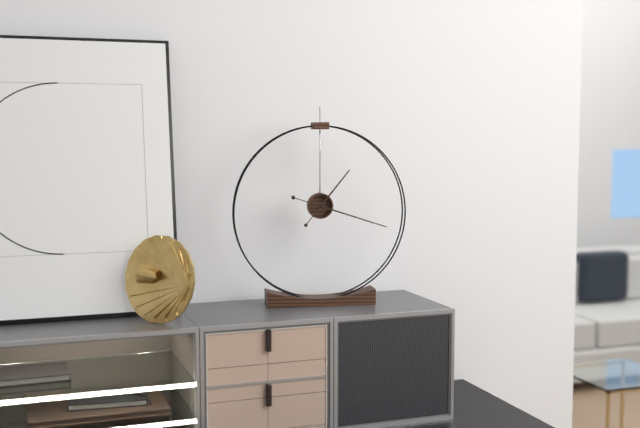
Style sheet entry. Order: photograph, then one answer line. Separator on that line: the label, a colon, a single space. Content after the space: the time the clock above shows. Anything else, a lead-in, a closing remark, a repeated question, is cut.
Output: 1:18
